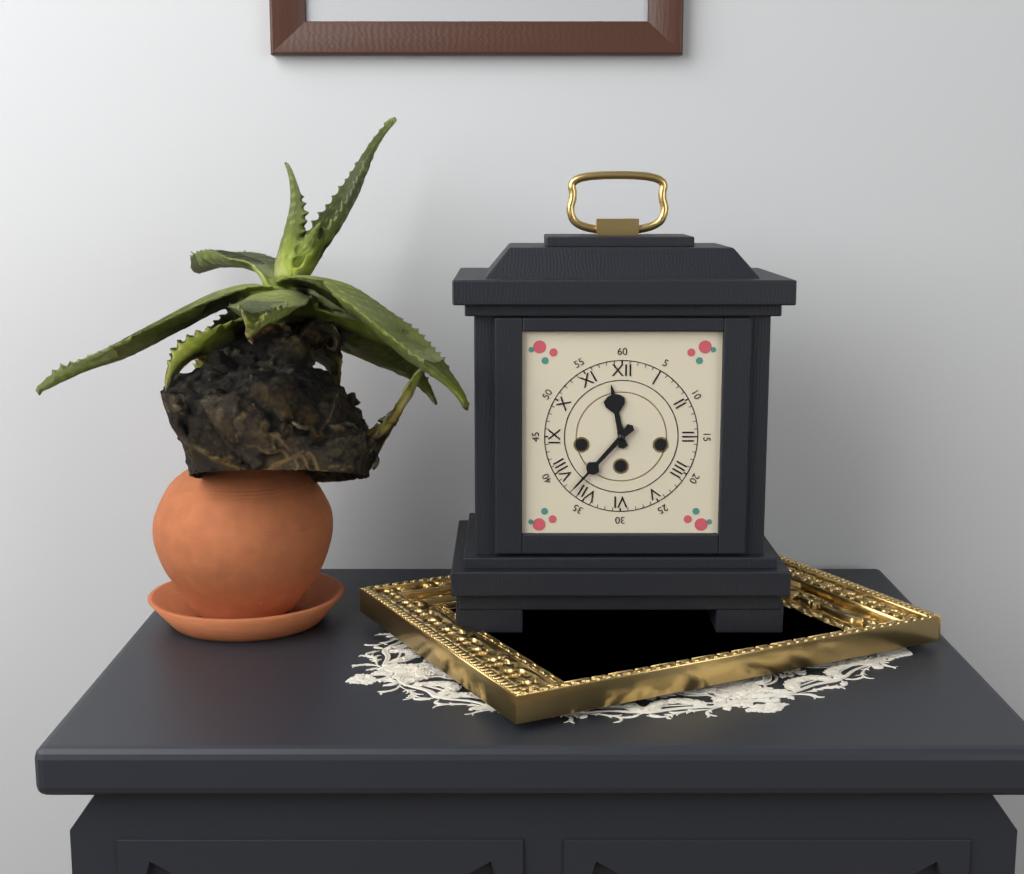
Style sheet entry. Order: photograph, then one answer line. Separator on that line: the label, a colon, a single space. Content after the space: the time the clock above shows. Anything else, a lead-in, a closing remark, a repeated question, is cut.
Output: 11:37
